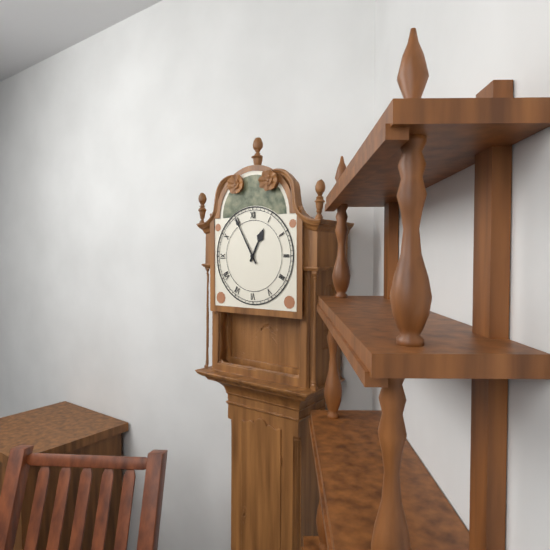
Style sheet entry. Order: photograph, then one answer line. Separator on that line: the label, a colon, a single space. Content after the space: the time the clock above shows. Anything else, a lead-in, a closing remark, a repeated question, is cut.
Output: 12:55
